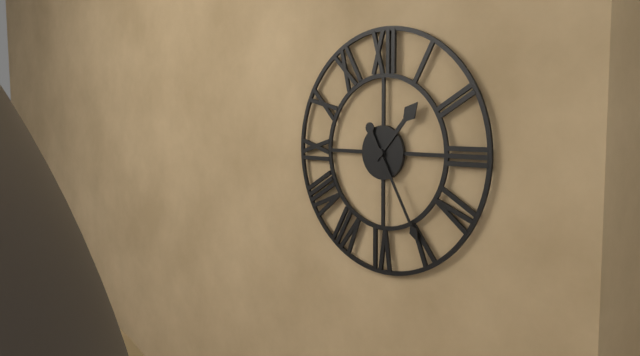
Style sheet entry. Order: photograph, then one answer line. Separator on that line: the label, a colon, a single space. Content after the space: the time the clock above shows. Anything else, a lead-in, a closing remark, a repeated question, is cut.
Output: 1:25
